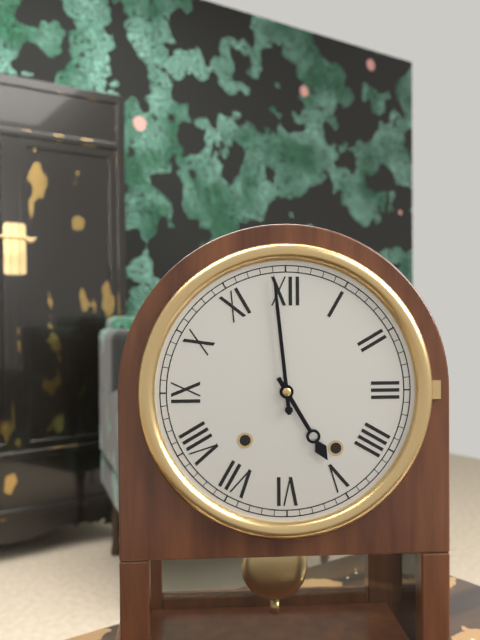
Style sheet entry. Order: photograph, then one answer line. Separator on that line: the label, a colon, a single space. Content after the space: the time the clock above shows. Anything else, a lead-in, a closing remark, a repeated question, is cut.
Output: 4:59
